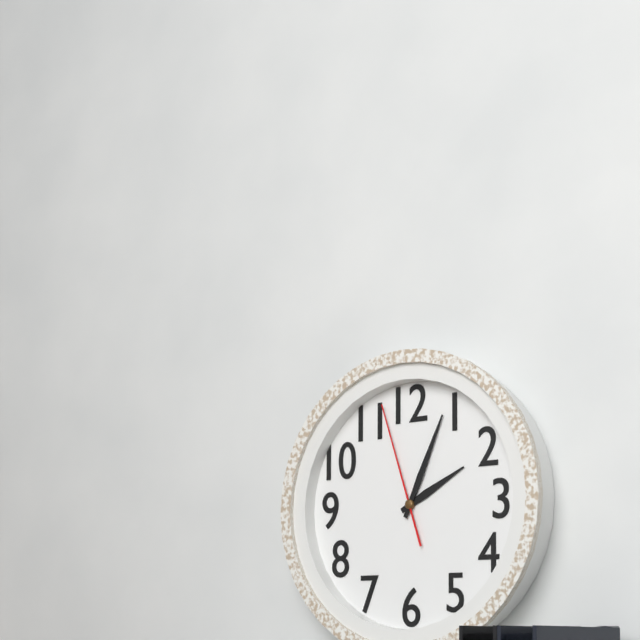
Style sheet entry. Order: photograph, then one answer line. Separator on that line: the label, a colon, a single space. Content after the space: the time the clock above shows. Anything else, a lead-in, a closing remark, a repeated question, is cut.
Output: 2:04:57
